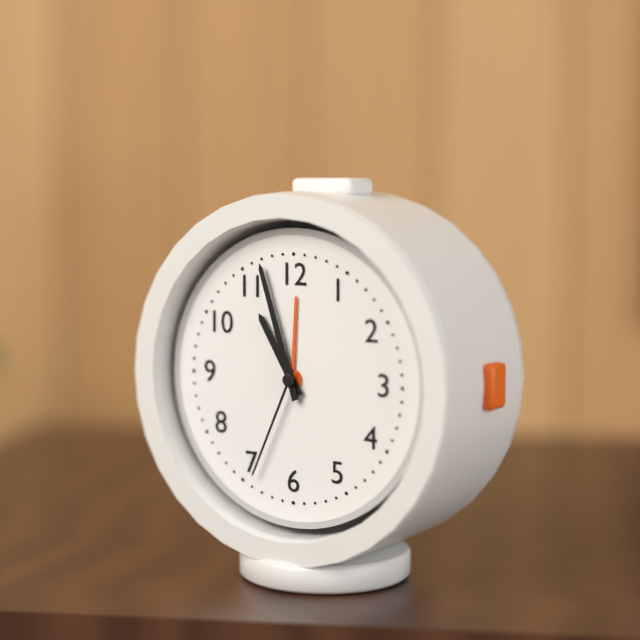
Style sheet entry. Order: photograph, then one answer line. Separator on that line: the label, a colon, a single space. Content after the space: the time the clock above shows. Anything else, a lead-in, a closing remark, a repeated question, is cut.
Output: 10:57:34
